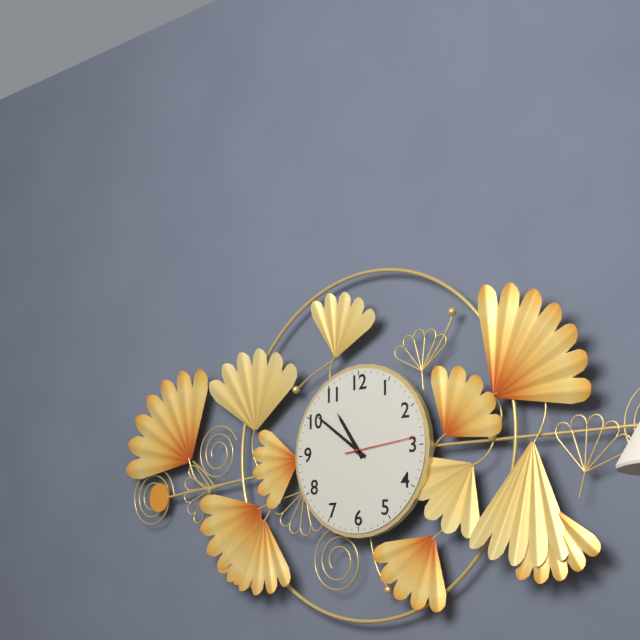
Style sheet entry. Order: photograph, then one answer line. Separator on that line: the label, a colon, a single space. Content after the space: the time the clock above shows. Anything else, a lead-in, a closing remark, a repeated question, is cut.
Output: 10:51:14
